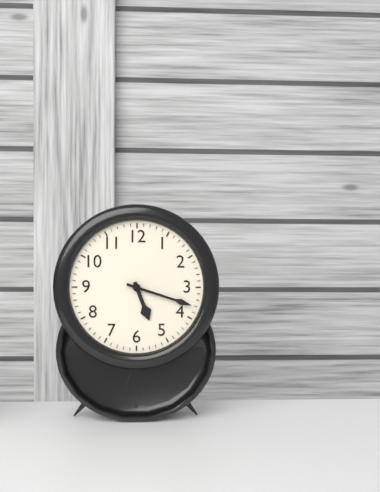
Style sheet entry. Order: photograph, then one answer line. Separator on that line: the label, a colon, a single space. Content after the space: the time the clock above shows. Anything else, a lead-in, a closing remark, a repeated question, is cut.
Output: 5:18
